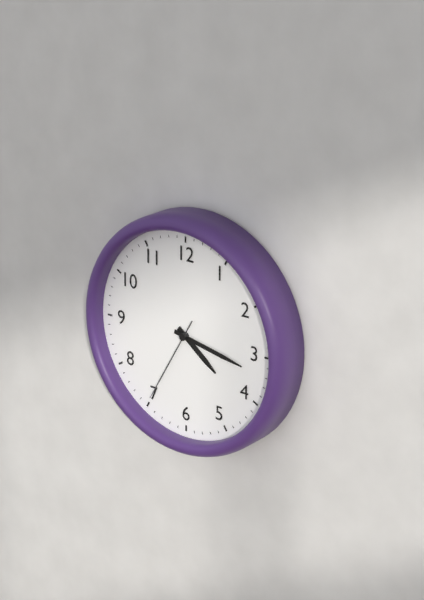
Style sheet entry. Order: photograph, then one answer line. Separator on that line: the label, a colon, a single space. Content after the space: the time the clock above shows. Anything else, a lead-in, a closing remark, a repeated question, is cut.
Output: 4:17:35
